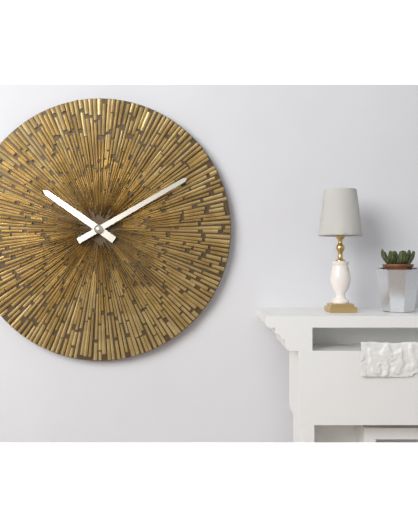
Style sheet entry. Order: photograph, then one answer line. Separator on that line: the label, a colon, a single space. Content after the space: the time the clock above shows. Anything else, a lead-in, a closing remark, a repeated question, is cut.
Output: 10:10
